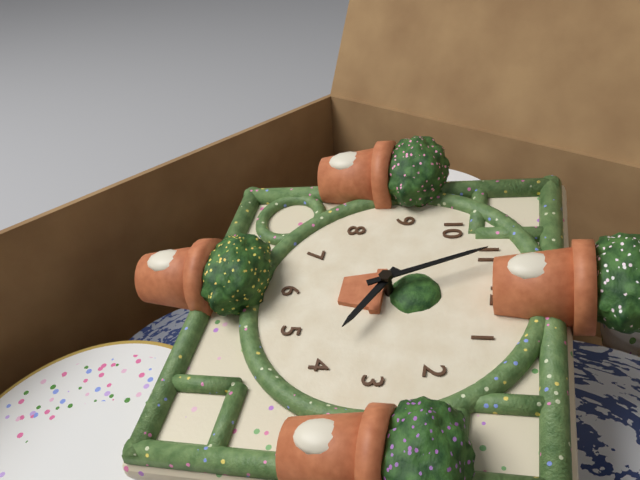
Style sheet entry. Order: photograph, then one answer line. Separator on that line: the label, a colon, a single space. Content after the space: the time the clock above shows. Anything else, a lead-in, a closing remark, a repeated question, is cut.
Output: 3:56
